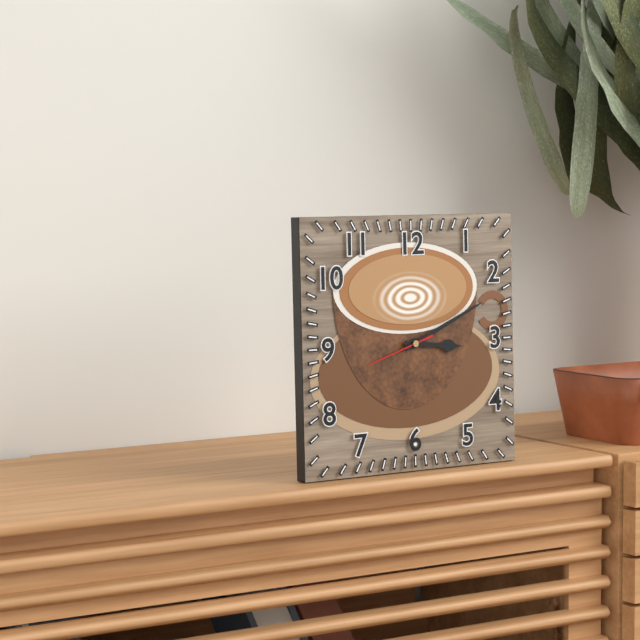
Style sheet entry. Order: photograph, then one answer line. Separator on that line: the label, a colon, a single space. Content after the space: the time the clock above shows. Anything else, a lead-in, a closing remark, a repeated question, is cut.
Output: 3:11:42
